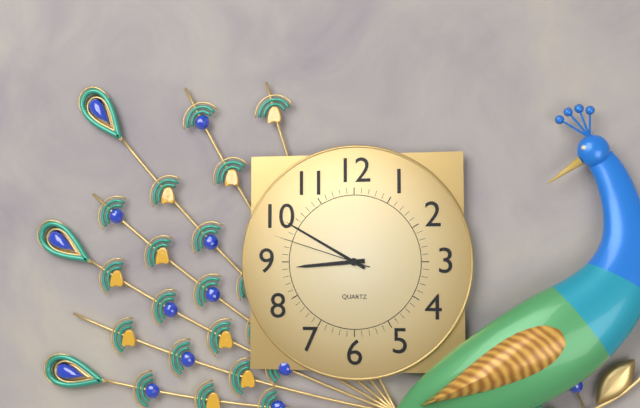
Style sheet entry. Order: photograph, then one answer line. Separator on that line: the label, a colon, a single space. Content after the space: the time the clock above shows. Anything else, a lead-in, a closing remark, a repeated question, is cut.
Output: 8:50:48
